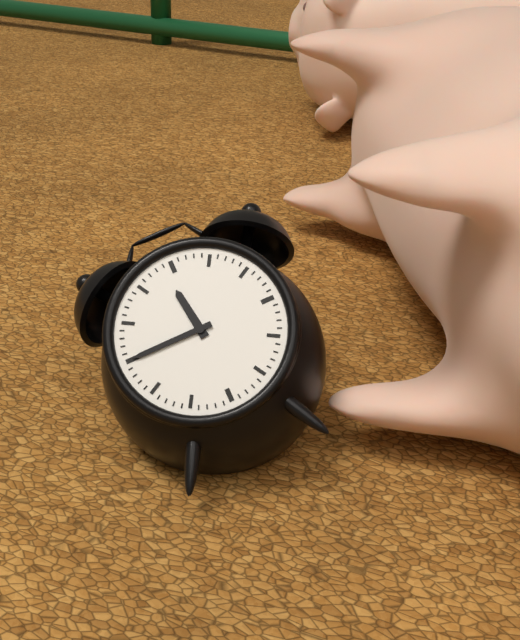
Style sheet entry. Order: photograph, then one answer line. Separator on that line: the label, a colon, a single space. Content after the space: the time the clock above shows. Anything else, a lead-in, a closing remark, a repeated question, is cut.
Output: 11:45
